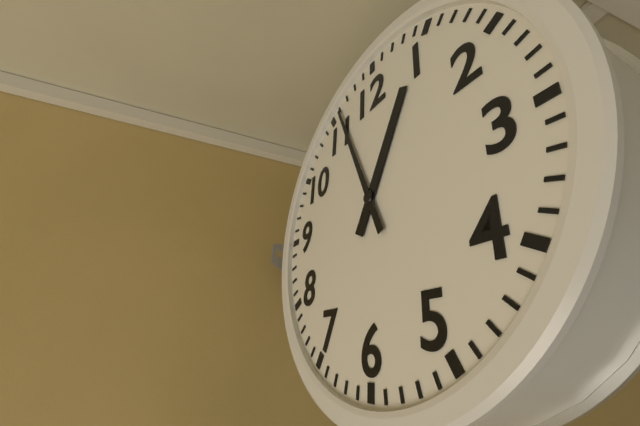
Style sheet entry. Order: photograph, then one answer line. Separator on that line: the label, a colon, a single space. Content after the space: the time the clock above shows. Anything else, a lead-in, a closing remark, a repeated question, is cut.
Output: 12:56
